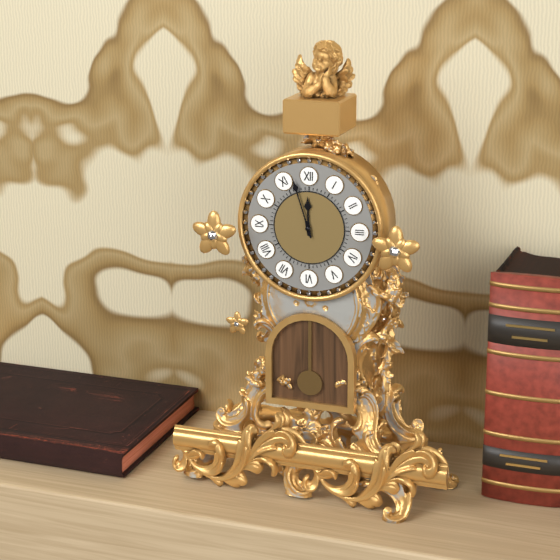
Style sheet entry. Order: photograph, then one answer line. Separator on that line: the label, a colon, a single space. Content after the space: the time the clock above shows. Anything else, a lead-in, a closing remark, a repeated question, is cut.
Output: 11:57
